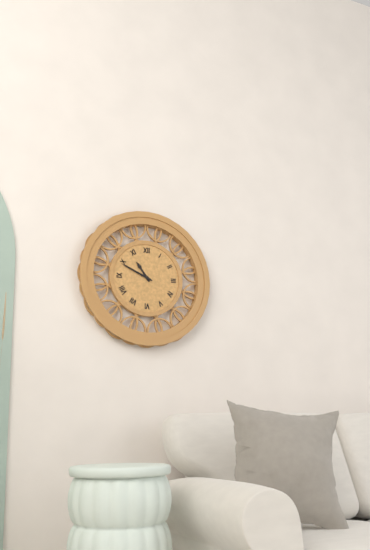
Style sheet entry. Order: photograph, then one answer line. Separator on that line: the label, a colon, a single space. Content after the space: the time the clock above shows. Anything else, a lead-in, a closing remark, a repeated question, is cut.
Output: 10:49
